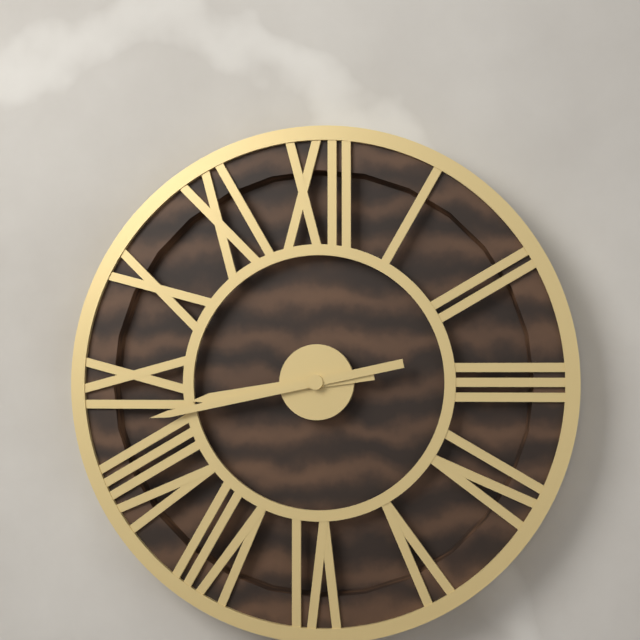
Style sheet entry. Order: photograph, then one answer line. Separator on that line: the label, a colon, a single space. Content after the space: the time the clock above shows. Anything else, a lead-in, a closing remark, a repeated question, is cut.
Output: 8:43
